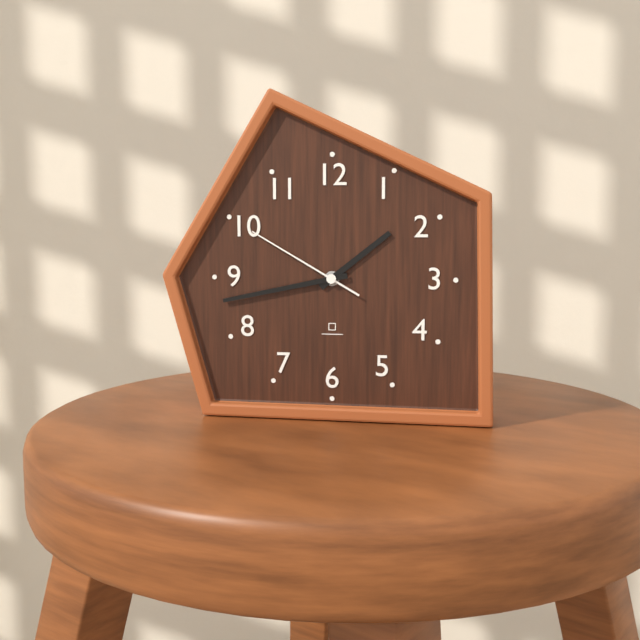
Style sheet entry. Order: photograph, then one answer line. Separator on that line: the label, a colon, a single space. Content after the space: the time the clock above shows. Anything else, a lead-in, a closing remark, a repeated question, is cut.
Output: 1:43:50
